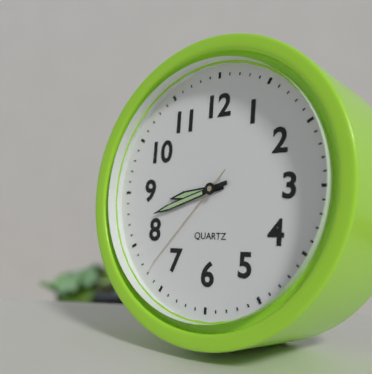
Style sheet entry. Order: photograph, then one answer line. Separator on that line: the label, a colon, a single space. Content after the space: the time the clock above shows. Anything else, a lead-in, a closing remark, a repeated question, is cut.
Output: 8:42:37
